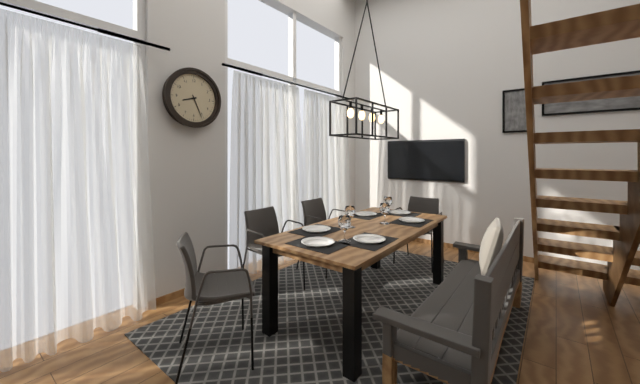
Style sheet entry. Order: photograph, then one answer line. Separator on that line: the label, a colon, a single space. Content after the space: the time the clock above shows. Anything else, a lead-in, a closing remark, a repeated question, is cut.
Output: 8:26
